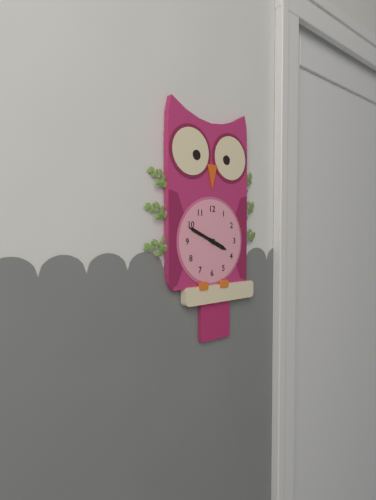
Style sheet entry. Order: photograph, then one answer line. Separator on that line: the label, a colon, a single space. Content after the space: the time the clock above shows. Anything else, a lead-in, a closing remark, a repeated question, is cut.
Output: 3:49
